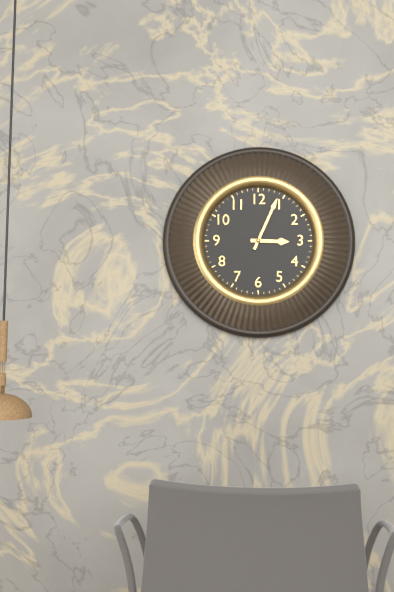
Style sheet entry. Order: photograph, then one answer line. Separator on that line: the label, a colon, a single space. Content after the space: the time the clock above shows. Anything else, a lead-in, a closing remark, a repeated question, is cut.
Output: 3:04
